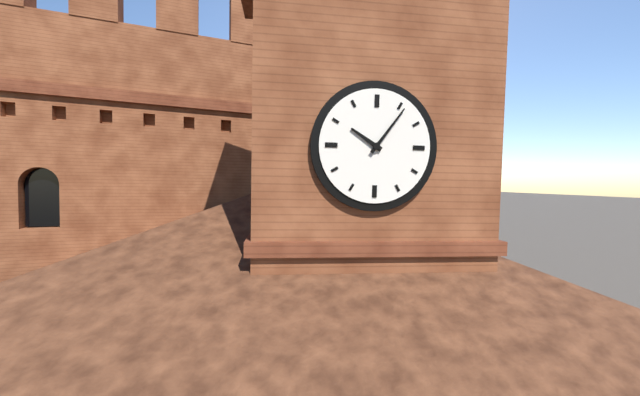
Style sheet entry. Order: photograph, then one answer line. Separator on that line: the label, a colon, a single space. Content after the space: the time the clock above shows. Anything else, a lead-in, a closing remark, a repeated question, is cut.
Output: 10:06
